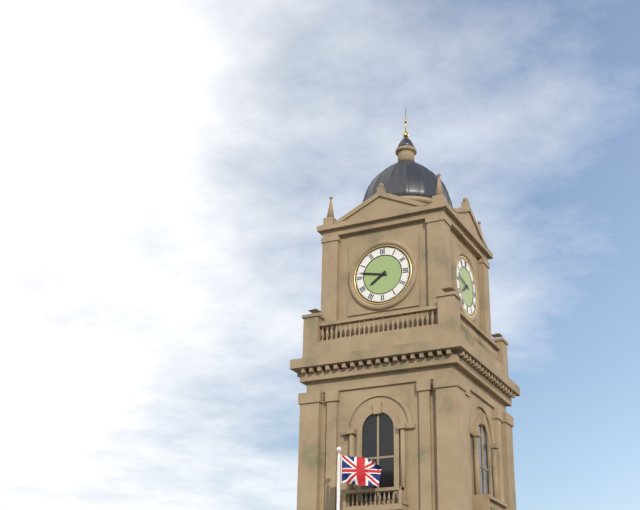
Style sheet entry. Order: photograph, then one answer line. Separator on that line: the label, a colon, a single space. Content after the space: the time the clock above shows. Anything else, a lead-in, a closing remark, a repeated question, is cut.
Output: 7:47
